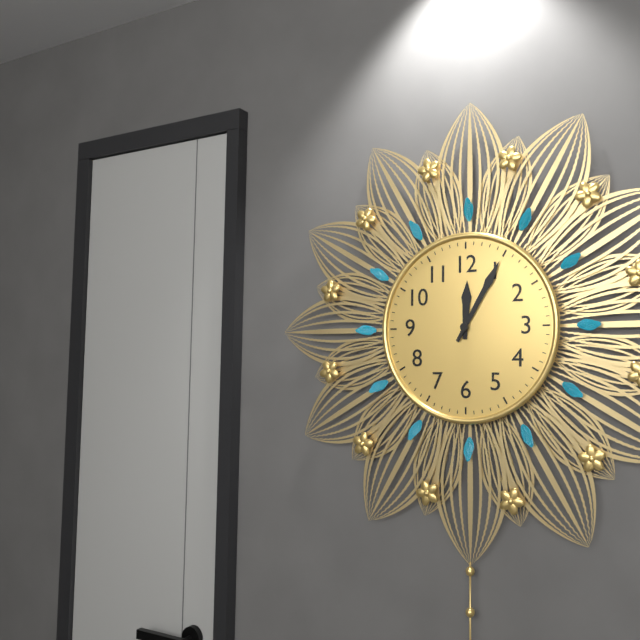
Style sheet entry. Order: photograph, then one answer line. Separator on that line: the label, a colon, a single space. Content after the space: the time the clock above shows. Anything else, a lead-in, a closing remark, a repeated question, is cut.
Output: 12:05
